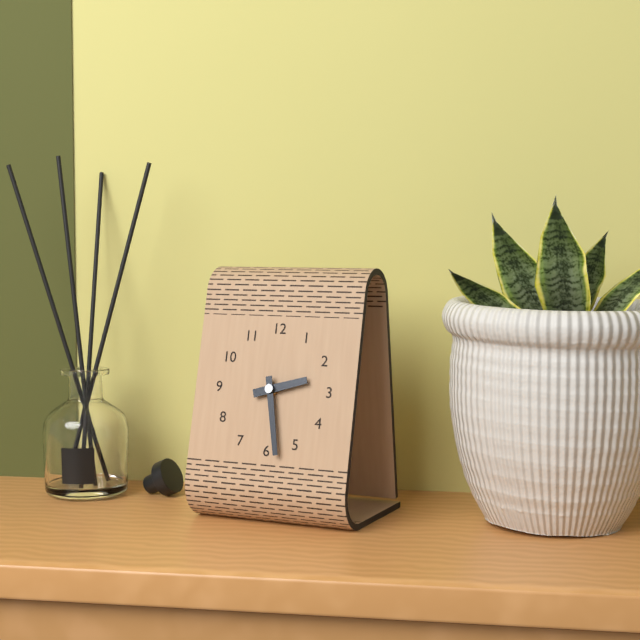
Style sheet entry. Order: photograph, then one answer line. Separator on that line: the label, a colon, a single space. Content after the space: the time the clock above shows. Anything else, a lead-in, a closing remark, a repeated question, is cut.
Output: 2:28
